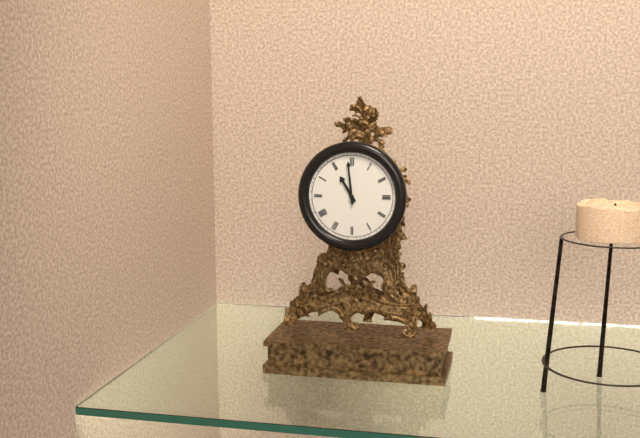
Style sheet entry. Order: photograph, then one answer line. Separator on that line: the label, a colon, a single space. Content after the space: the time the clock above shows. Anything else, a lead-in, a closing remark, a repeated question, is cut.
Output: 10:59
